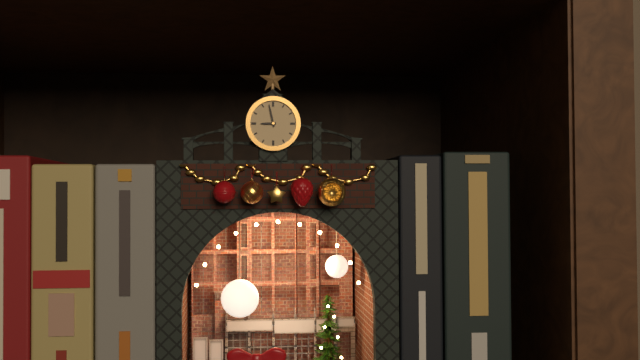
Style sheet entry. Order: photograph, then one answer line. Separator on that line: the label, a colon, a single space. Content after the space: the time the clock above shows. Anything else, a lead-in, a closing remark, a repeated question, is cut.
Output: 8:58
